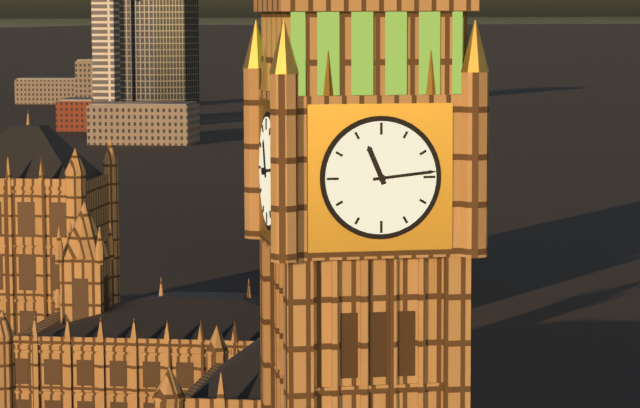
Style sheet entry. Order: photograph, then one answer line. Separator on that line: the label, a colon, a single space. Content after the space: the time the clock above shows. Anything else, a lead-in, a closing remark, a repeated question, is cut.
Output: 11:14
